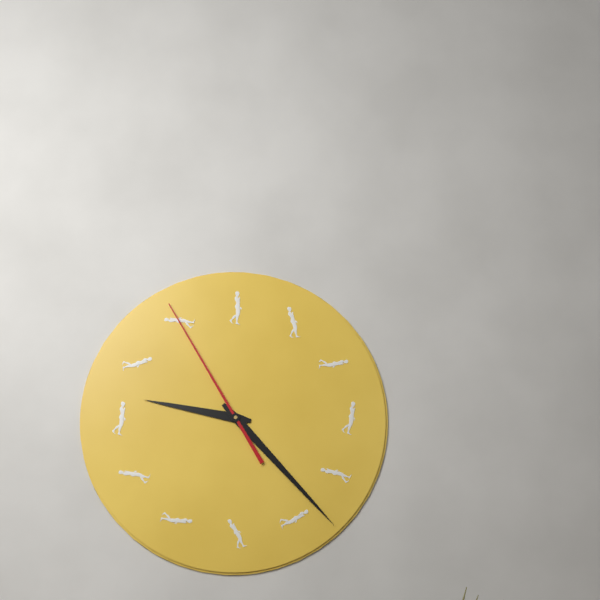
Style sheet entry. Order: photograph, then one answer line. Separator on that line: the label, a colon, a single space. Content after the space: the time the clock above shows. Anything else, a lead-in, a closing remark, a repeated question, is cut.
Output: 9:23:55
